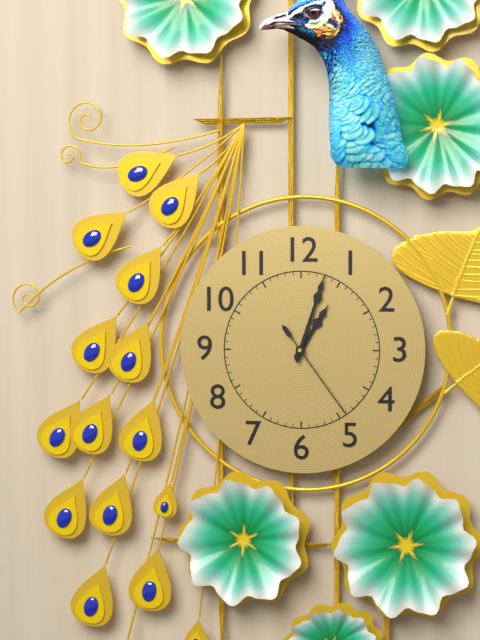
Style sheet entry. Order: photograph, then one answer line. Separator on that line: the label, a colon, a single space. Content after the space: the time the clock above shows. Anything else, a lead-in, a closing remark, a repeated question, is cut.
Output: 1:03:24
